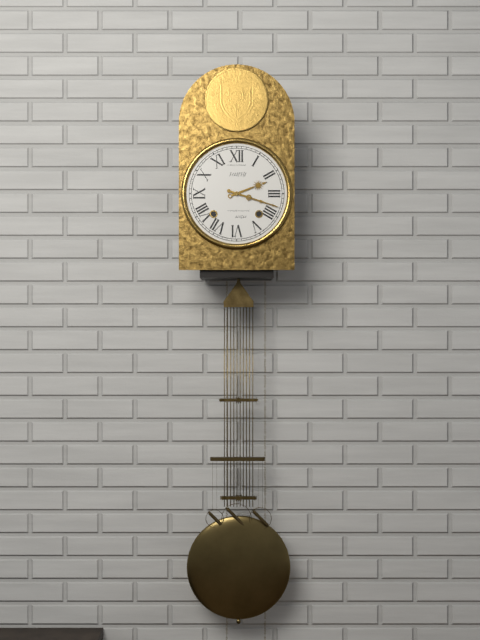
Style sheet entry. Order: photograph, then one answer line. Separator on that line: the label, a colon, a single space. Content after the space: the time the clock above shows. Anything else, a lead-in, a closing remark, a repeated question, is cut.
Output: 2:18
